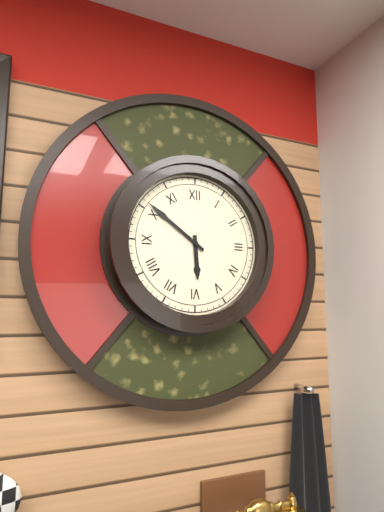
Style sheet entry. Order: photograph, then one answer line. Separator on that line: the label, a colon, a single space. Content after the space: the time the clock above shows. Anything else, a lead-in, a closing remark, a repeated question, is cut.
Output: 5:51
